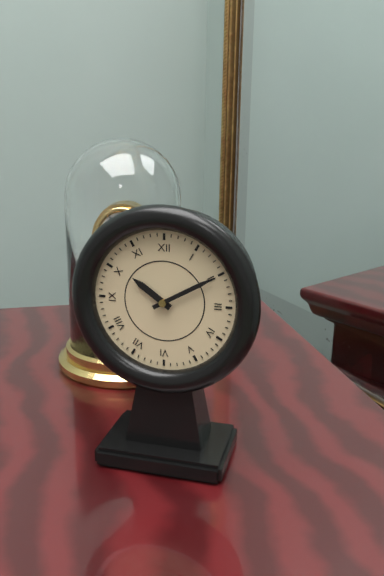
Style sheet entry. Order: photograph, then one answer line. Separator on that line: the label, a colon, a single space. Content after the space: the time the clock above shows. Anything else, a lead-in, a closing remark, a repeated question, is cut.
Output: 10:10
